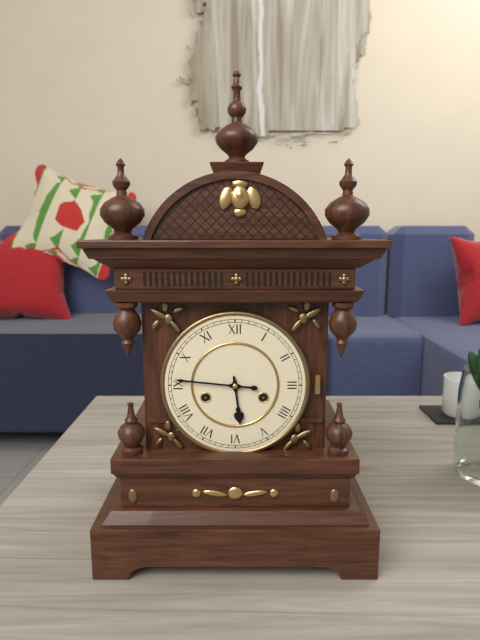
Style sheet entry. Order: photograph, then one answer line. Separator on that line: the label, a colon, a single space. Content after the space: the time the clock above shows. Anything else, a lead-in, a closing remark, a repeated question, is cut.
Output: 5:46
